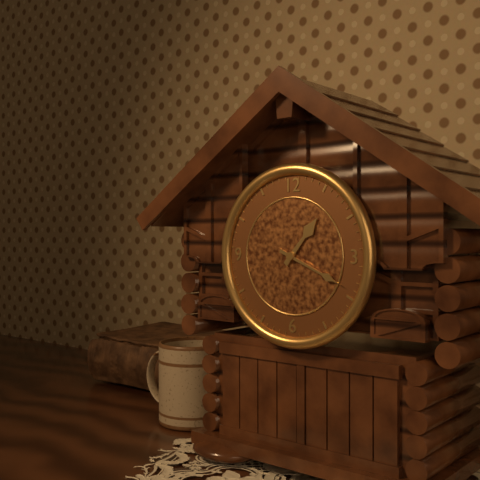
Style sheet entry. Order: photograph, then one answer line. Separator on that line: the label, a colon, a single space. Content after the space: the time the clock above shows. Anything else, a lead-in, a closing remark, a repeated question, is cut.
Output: 1:19
